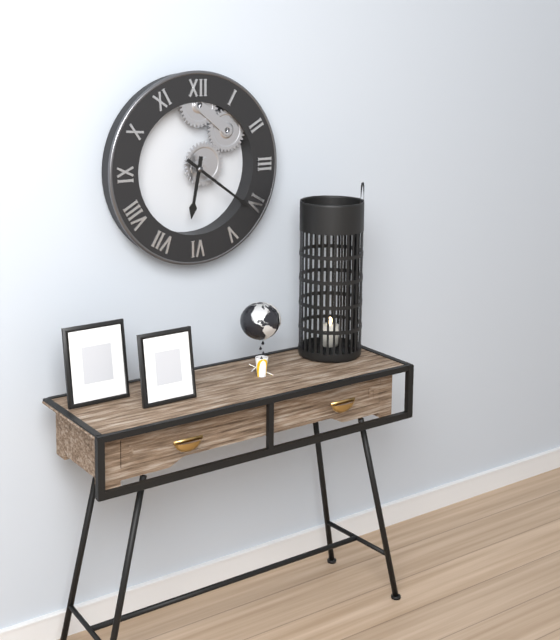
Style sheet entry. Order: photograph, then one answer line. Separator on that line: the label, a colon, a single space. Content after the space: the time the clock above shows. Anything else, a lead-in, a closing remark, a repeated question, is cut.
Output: 6:21
